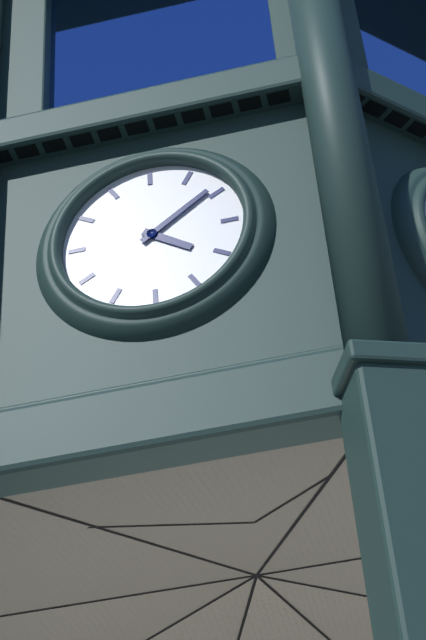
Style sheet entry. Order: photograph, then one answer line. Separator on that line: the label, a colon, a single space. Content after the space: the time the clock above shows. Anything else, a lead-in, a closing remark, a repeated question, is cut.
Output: 4:09
